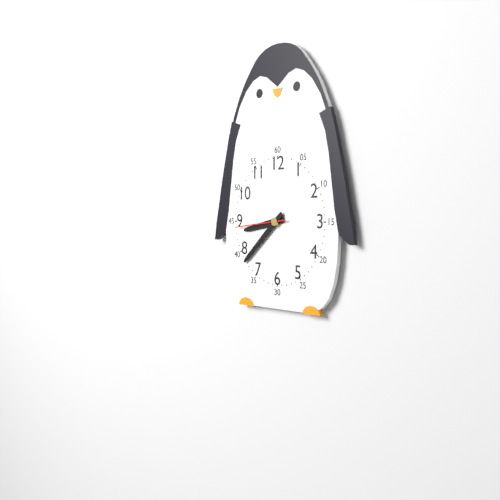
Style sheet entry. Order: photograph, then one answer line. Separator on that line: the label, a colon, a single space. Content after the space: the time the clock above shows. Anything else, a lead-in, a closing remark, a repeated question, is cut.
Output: 8:38:44
